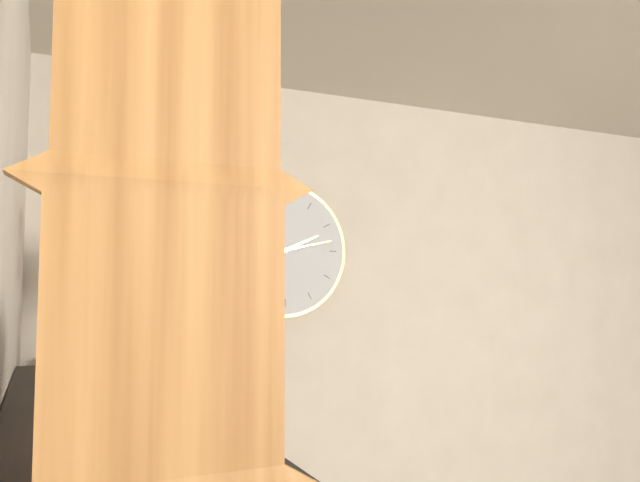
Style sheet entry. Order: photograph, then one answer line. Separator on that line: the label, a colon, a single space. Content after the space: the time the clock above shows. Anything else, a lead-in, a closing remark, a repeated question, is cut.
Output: 2:13
